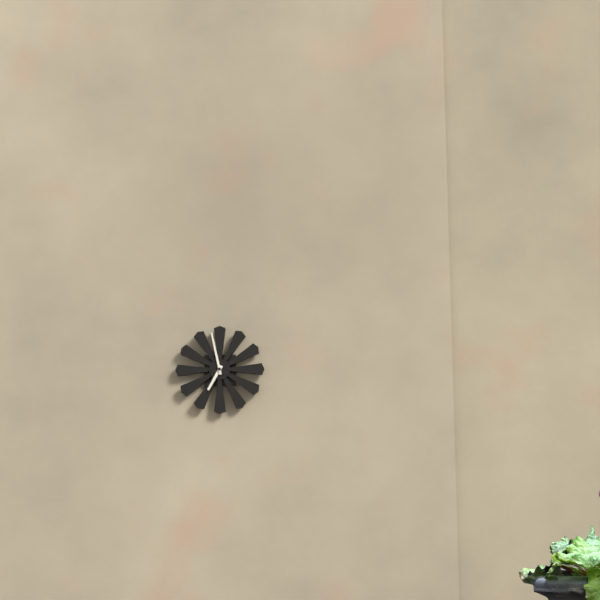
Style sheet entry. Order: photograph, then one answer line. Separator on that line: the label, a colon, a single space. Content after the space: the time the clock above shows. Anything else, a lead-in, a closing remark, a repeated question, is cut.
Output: 6:58
